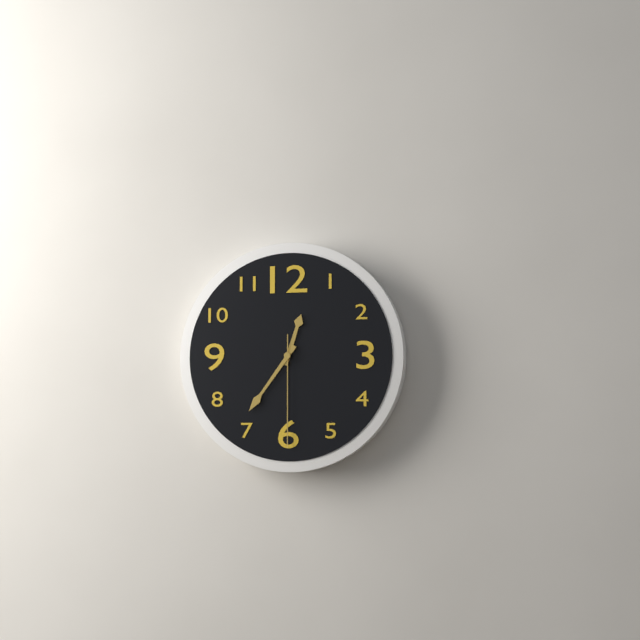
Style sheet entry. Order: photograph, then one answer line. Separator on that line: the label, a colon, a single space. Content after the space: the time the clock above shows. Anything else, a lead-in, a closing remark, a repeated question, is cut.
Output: 12:36:30
